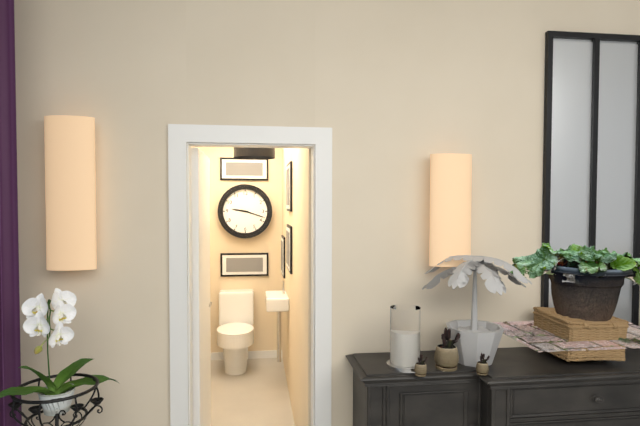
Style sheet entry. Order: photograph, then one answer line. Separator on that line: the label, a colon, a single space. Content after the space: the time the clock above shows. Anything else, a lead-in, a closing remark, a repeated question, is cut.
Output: 9:18
